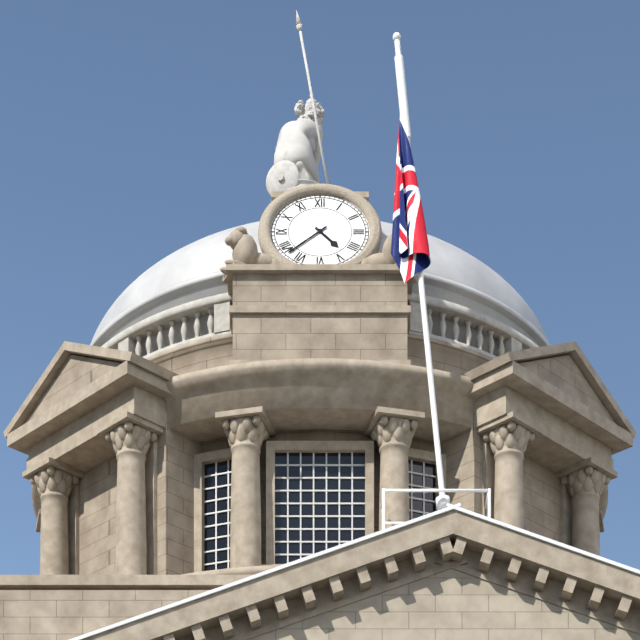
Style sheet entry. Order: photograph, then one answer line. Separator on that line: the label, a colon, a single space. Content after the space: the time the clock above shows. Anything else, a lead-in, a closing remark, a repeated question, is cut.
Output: 4:38
